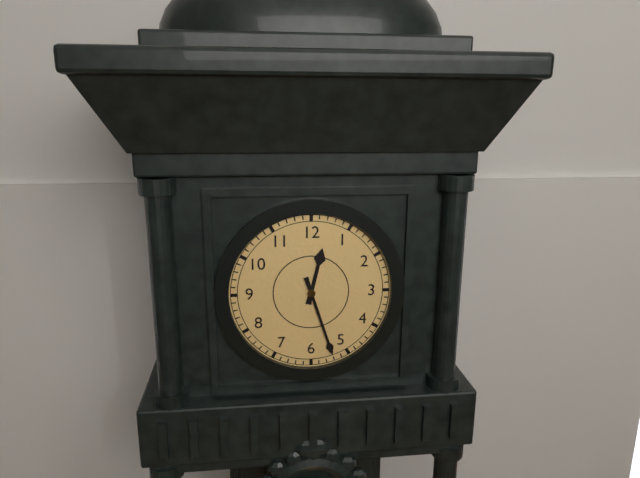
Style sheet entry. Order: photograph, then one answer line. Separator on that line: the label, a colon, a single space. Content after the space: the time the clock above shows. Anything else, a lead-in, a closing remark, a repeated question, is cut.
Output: 12:27
